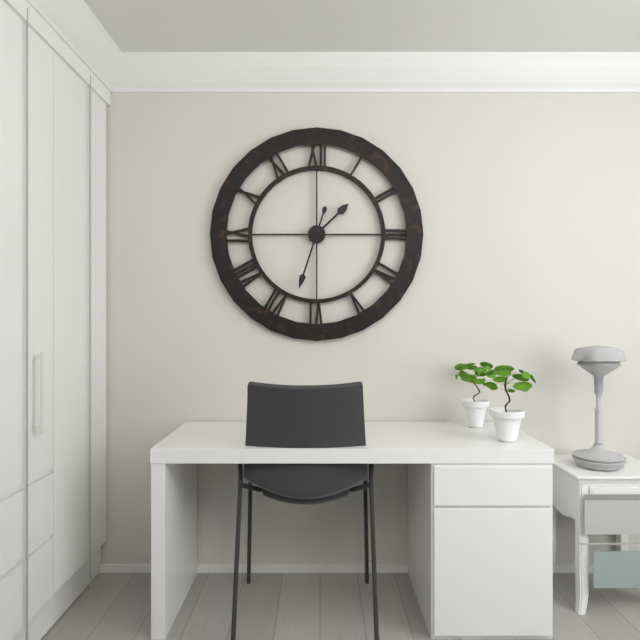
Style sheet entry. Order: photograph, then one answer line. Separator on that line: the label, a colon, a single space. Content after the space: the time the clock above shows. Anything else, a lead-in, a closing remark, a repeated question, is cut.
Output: 1:33
